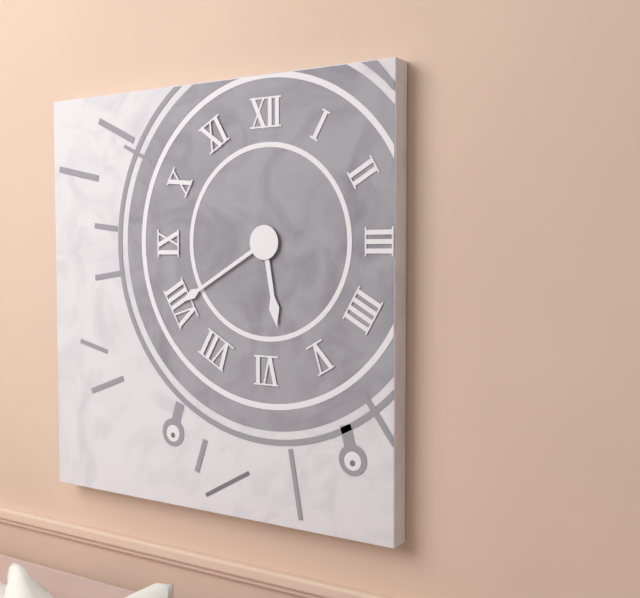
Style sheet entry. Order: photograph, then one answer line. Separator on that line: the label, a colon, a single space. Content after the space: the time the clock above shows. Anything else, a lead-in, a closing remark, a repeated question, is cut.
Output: 5:40
